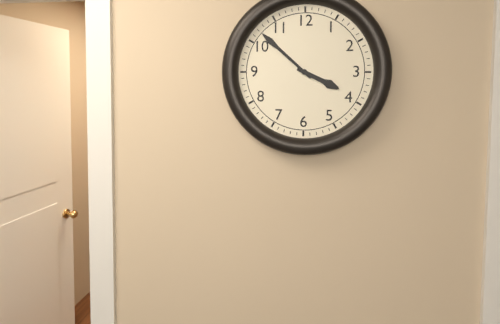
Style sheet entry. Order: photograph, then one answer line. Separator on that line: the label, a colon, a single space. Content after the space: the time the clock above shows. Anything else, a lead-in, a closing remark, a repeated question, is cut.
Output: 3:52
